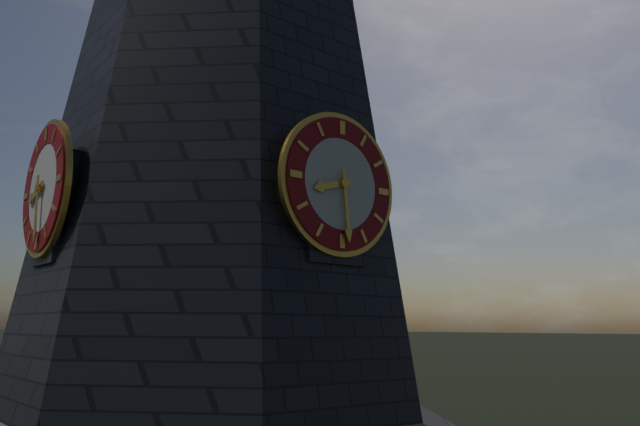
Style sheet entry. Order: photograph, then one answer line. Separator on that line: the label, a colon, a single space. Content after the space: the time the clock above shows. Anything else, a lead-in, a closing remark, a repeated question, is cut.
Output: 8:29
